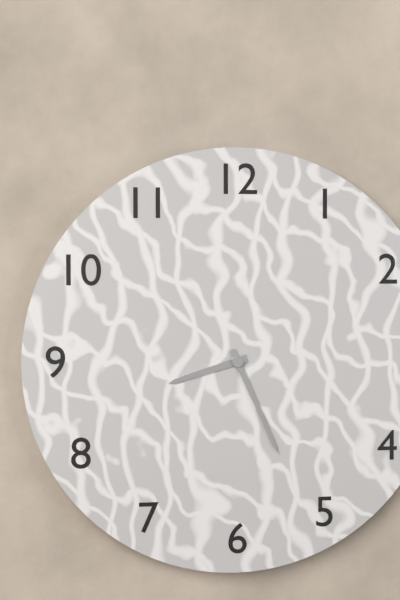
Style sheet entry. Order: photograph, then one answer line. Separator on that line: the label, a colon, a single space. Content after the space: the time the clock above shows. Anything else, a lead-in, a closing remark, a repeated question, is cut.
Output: 8:26
